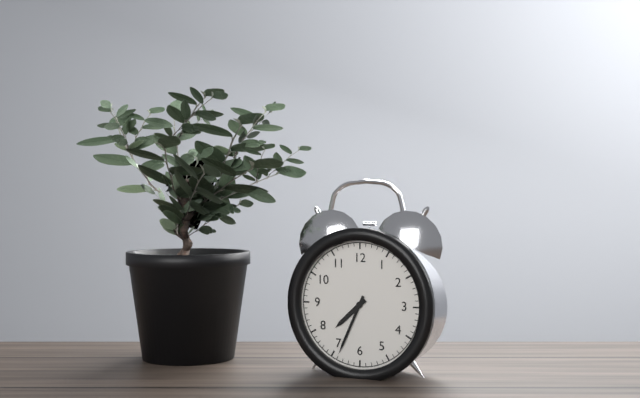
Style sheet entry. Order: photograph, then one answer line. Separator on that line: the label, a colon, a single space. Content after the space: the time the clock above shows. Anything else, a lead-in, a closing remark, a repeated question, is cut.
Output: 7:34
